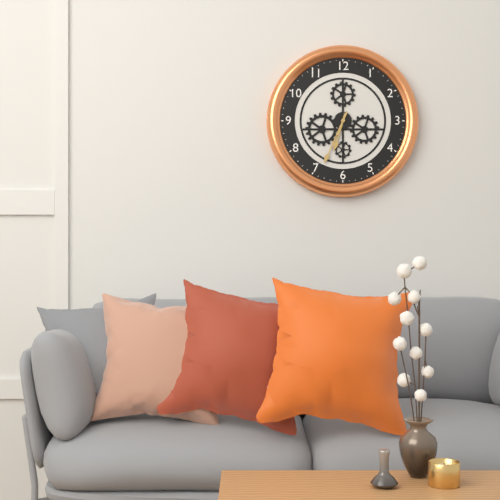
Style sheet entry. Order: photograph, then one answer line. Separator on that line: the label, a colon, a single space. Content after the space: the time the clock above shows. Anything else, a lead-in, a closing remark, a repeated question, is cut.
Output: 6:34
